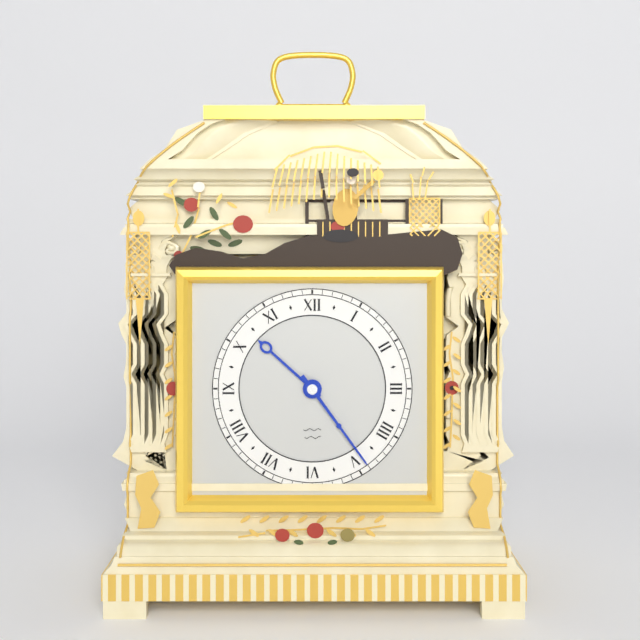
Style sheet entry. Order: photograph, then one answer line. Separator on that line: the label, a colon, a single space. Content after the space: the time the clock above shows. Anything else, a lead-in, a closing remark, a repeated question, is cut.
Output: 10:24
